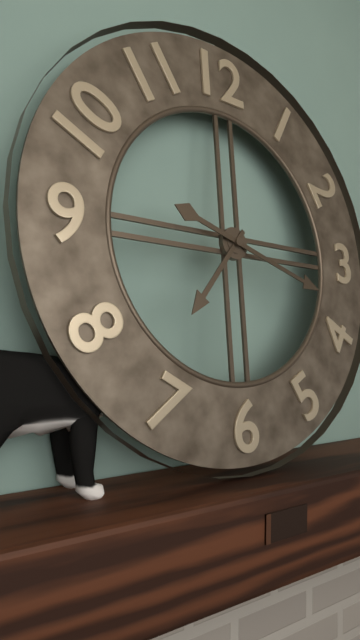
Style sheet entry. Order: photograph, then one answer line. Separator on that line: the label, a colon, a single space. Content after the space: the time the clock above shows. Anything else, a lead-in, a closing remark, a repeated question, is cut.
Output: 7:18
